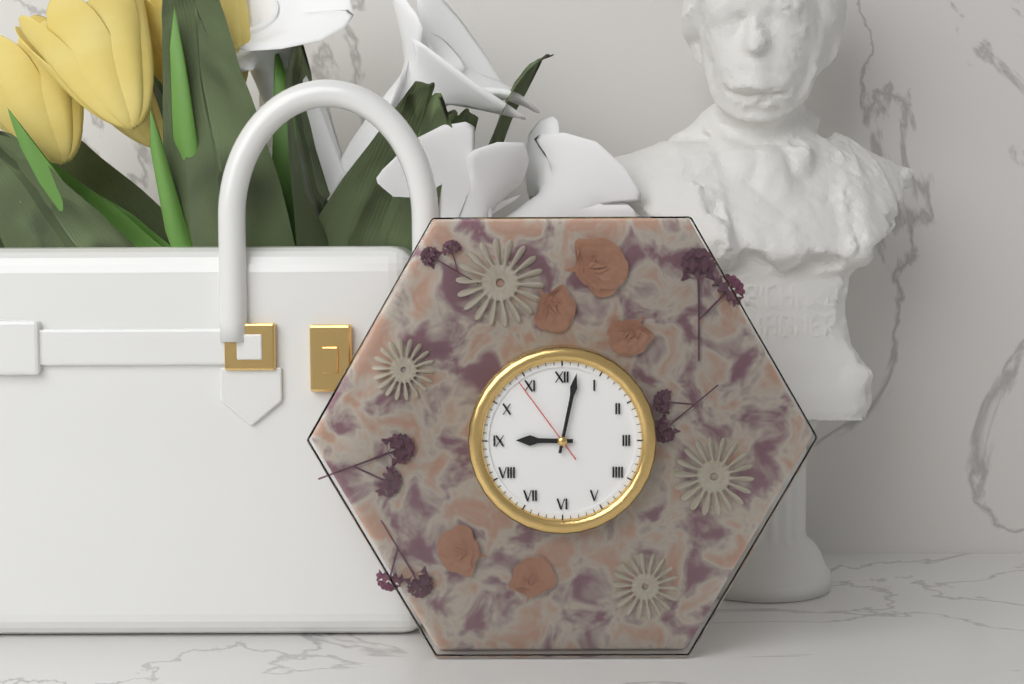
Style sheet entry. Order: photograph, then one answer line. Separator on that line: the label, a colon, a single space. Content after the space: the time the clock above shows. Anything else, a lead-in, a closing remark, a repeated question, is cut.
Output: 9:02:54
